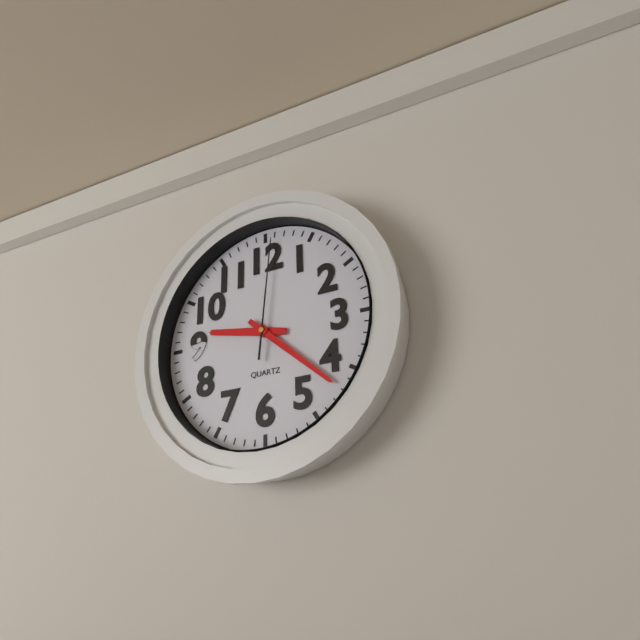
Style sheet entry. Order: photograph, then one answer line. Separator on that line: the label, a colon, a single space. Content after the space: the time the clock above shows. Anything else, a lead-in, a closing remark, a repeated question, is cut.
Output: 9:22:01
